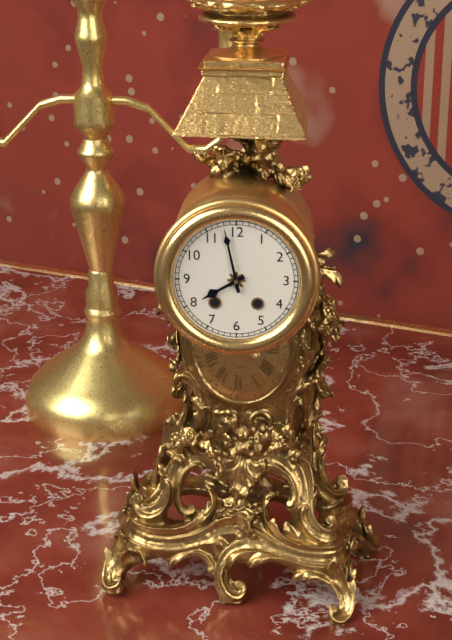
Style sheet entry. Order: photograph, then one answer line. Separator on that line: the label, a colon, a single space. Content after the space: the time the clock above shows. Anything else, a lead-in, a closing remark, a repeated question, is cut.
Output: 7:58
